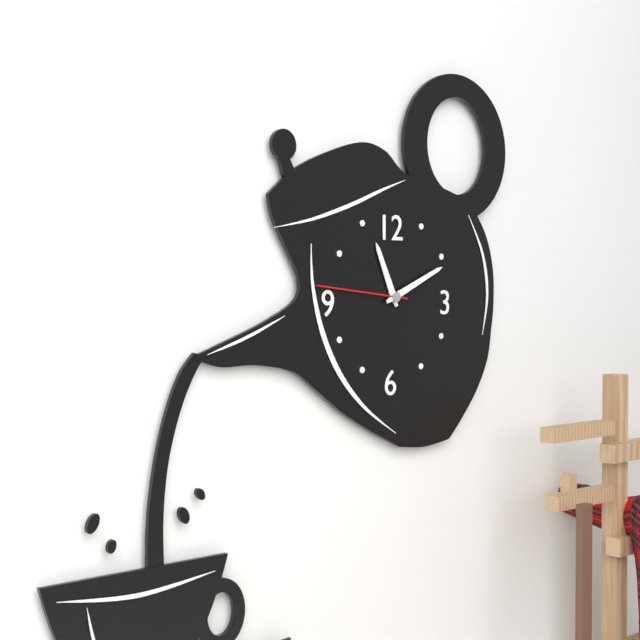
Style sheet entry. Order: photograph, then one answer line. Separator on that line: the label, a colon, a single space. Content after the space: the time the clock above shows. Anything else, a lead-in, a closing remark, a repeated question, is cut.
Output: 11:11:46
